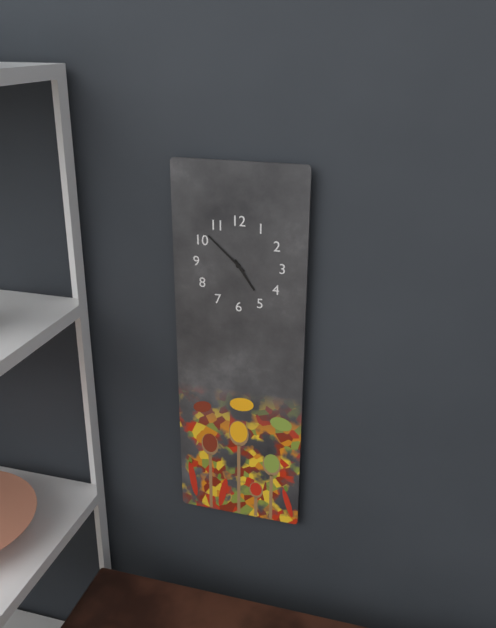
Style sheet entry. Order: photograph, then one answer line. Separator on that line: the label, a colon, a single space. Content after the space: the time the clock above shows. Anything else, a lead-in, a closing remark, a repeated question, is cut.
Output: 4:52
